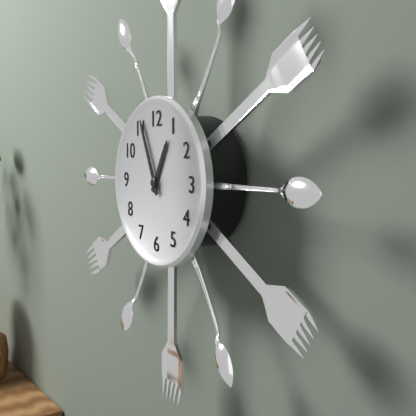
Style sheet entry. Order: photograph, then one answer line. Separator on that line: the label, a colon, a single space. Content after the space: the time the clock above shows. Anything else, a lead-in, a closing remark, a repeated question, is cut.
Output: 12:56
